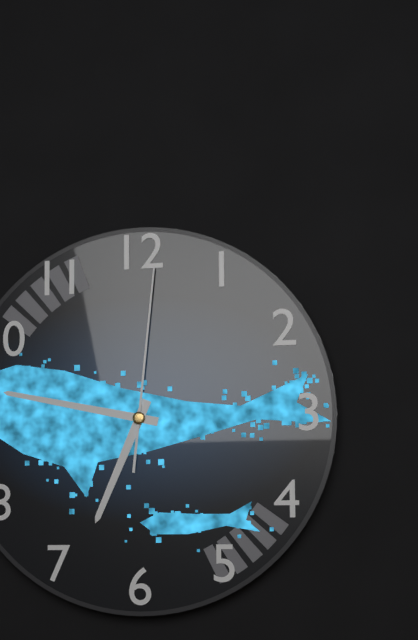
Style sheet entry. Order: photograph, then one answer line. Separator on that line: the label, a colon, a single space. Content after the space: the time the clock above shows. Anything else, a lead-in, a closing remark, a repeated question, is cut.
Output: 6:47:01
